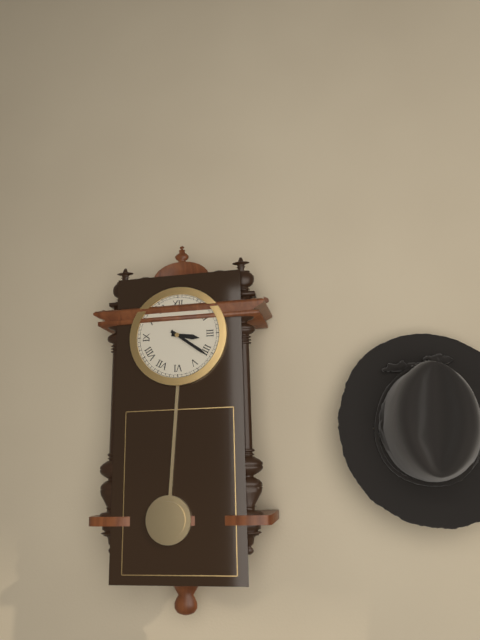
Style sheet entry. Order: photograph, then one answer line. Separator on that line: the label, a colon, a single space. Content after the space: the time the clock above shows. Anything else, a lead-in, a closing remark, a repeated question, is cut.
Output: 3:21
